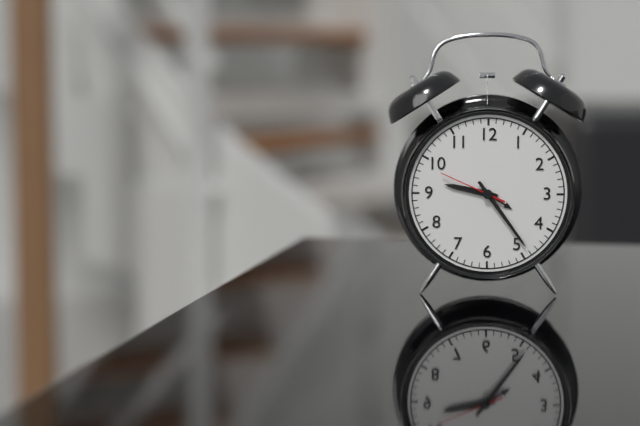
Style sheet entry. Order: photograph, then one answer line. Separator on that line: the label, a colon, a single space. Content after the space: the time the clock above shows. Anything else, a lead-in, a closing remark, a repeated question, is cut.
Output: 9:24:49
